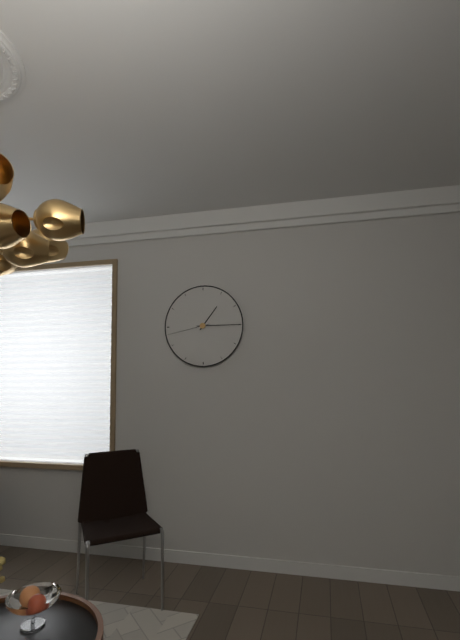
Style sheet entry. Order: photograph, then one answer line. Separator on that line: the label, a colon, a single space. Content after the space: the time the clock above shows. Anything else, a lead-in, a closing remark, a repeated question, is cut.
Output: 1:15
